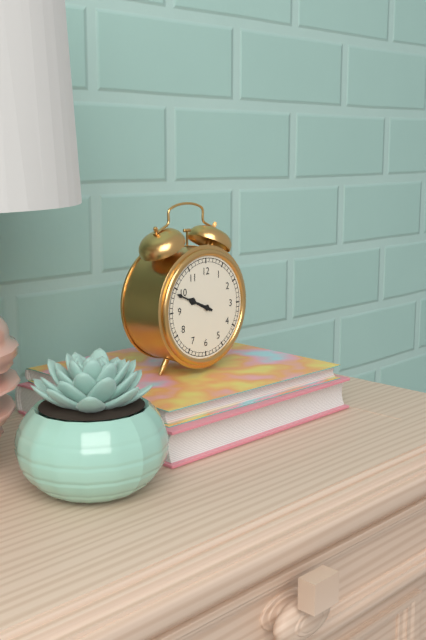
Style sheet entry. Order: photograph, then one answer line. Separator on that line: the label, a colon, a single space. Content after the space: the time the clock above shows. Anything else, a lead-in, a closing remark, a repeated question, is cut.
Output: 9:49
